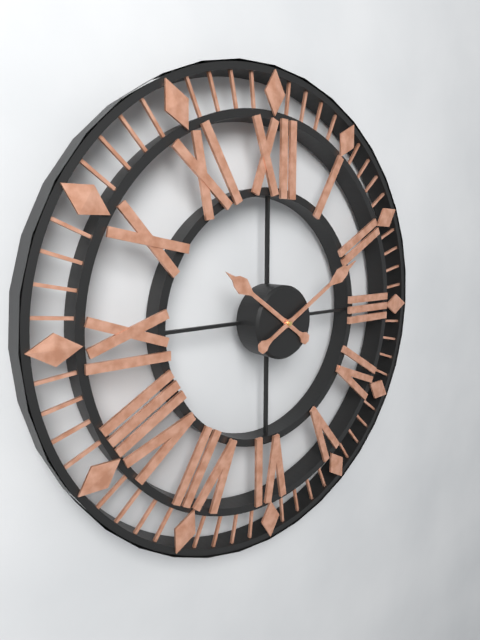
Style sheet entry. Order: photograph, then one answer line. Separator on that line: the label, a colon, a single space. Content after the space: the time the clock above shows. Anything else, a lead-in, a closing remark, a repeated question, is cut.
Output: 10:10
